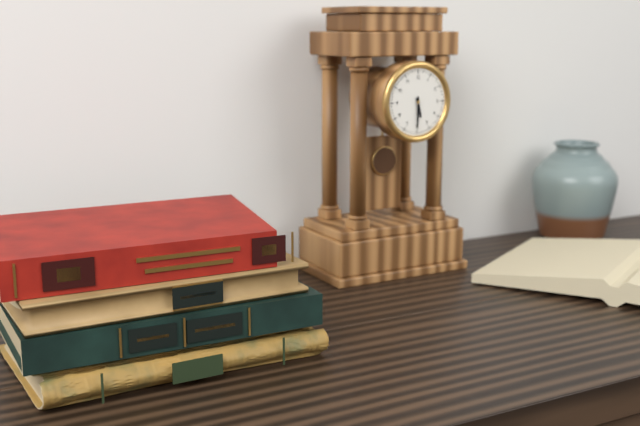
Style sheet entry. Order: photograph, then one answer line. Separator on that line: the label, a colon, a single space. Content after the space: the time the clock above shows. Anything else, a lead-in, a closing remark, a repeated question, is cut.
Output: 5:30
